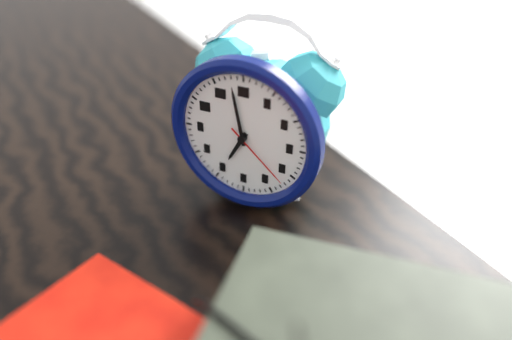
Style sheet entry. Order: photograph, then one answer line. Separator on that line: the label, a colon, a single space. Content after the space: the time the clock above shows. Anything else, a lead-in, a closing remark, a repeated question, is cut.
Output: 6:58:22
